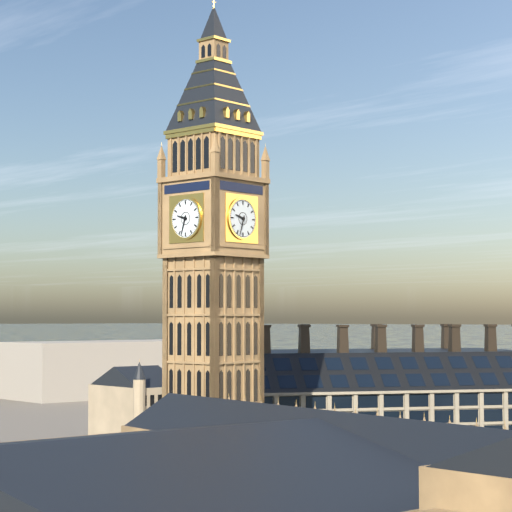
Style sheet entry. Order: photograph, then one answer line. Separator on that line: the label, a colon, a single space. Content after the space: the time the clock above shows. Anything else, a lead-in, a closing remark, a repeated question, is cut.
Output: 9:33
